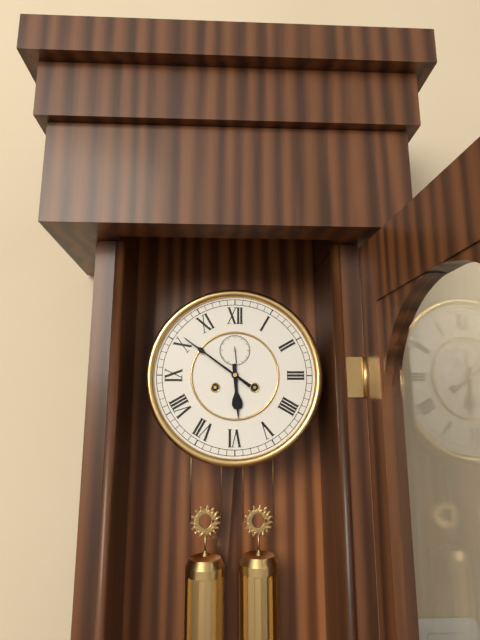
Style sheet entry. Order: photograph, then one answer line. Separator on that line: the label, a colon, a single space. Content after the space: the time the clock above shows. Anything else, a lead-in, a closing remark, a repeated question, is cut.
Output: 5:51
